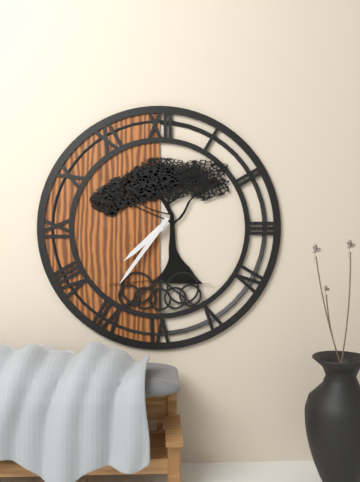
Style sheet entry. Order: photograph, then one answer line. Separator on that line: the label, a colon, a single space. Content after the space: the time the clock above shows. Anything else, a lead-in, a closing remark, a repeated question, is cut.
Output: 7:36
